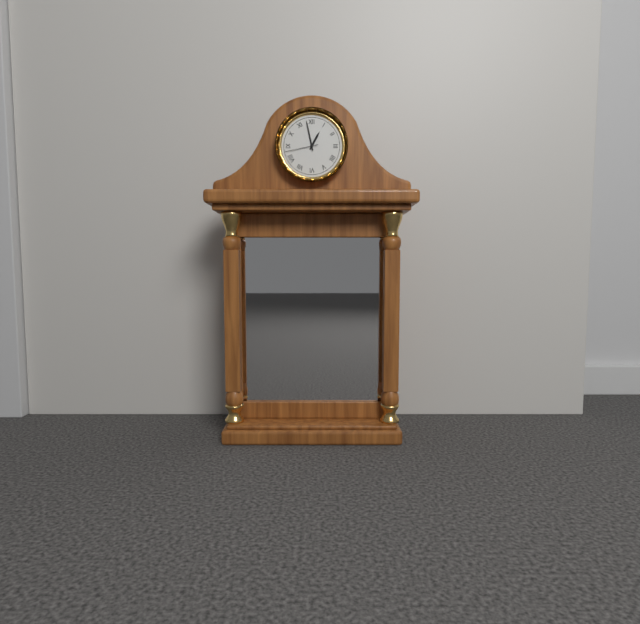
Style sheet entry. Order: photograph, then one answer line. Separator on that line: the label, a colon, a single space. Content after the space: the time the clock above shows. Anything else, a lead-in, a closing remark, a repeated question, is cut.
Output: 12:58
